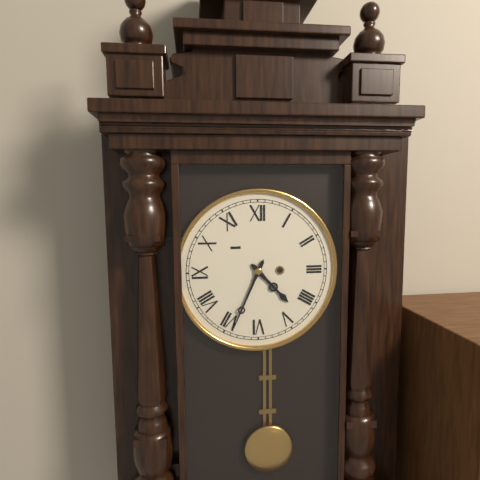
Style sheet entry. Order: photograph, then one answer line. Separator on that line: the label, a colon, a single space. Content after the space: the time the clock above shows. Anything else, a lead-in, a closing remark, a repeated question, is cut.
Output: 4:34
